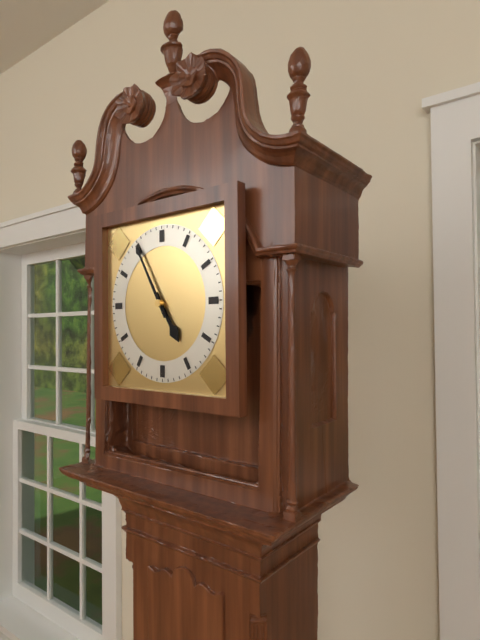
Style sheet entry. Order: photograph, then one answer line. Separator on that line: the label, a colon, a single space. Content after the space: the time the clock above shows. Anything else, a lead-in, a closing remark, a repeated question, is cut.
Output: 4:55
